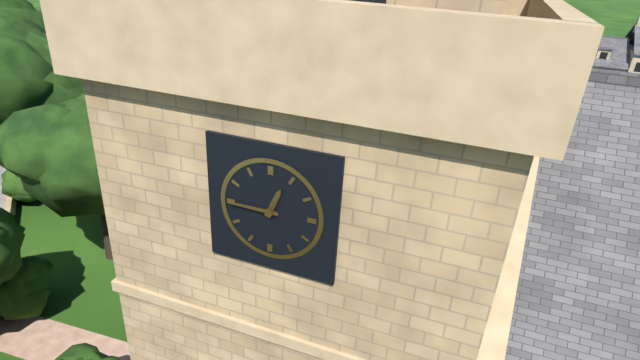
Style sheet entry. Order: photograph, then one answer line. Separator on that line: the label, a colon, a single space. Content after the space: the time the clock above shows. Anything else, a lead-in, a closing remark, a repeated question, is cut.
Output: 12:45
